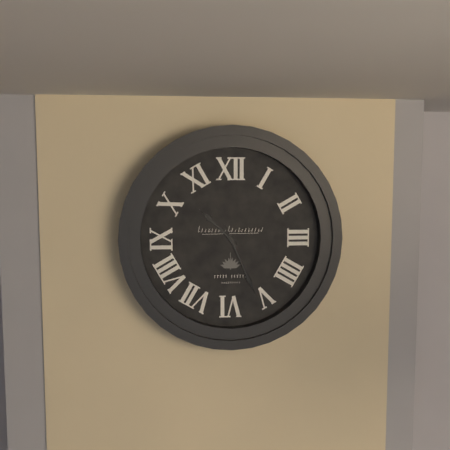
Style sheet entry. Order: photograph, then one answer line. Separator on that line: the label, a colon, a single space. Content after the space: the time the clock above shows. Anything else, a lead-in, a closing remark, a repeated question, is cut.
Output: 10:26
